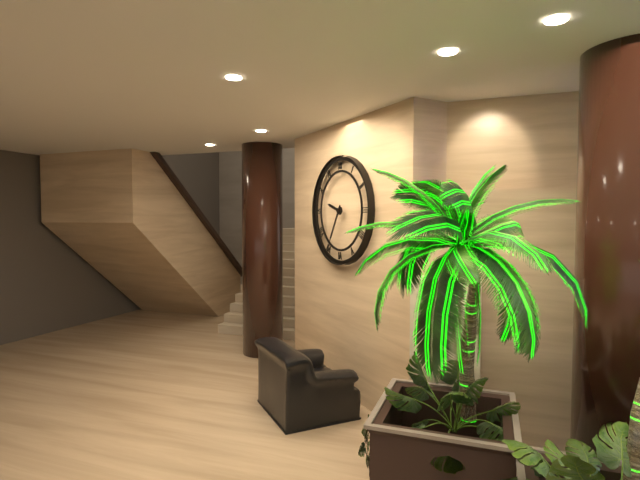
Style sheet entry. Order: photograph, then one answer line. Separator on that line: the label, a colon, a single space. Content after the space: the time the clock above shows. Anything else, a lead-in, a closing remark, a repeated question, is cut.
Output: 9:35
